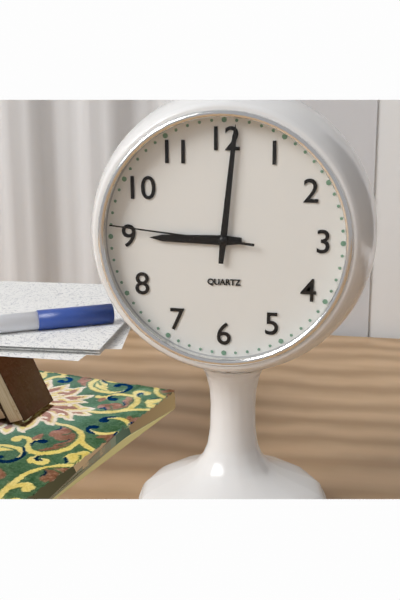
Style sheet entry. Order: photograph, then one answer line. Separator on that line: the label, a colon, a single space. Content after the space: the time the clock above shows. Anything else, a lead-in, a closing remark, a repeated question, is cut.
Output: 9:01:46
